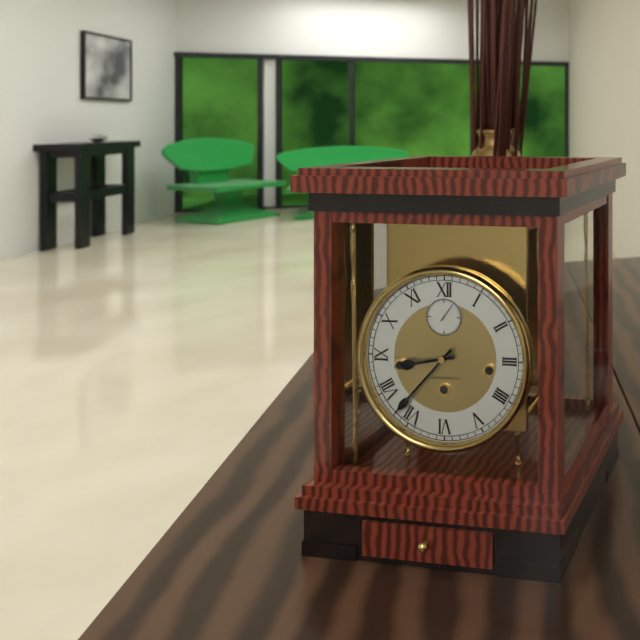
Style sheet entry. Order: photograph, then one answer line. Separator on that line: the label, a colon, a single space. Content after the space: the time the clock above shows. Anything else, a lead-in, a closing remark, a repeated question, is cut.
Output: 8:37
